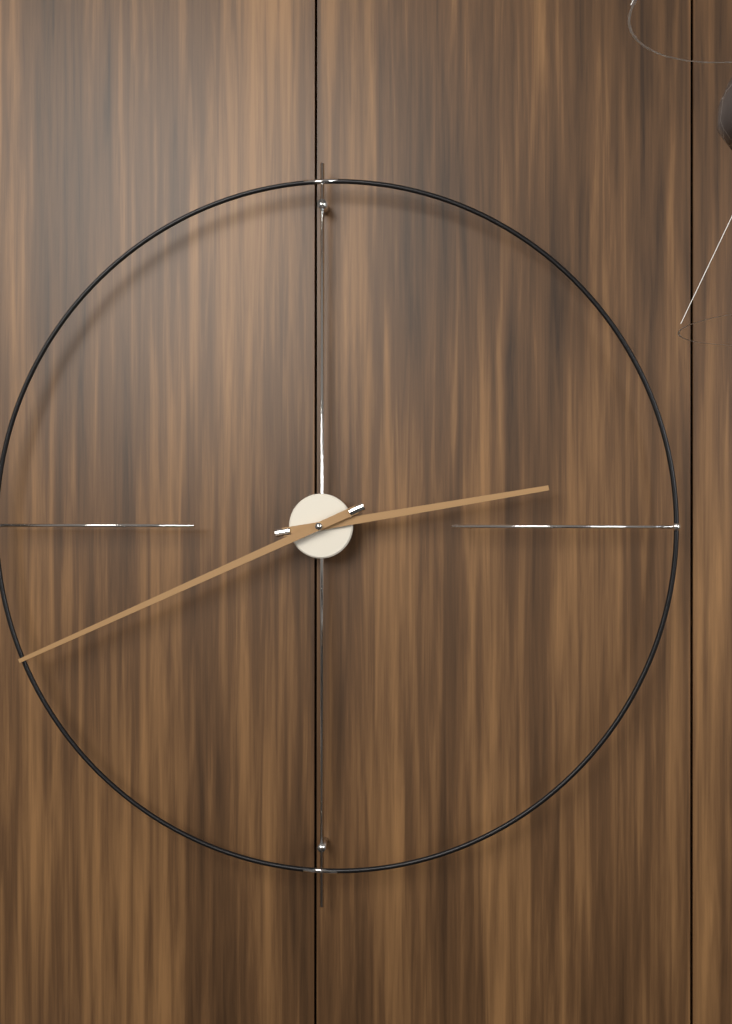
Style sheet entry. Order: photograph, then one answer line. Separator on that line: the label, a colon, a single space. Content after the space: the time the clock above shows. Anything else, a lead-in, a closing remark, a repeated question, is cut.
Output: 2:41
